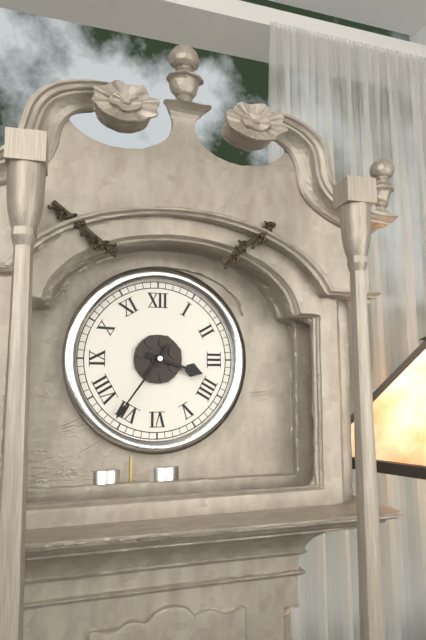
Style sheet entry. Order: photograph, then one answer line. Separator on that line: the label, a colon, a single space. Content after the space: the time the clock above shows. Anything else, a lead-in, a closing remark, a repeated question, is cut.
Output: 3:36
